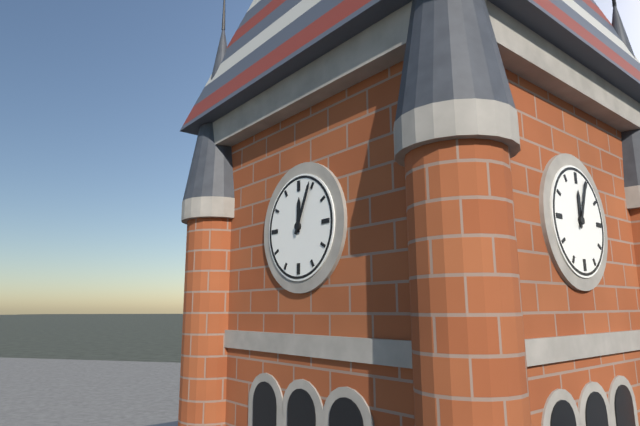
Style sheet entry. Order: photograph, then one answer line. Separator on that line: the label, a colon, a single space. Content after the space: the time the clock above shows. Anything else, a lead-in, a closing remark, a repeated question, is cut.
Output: 12:04
